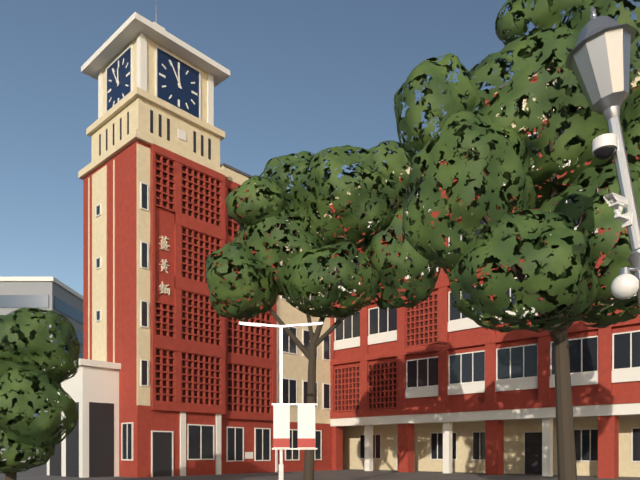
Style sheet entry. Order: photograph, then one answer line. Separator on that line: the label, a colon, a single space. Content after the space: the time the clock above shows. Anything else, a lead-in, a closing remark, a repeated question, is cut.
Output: 11:55
